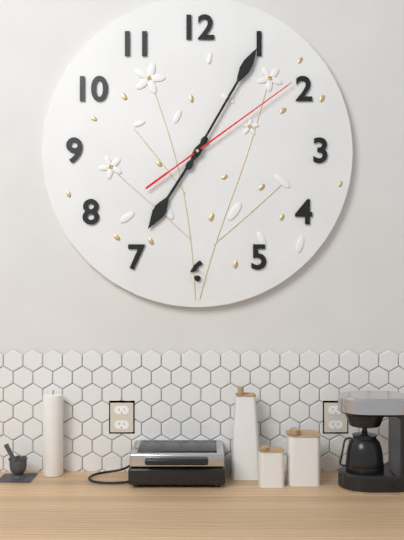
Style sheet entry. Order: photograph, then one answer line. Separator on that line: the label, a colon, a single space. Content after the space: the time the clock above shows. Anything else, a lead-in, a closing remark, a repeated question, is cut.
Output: 7:05:09
